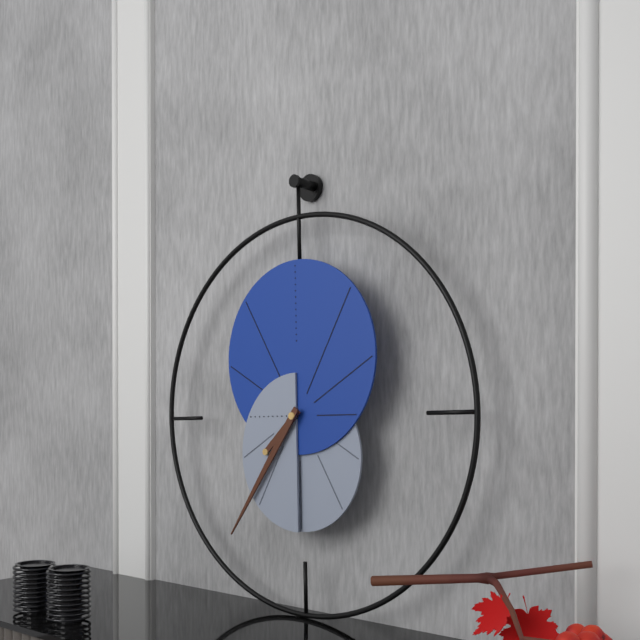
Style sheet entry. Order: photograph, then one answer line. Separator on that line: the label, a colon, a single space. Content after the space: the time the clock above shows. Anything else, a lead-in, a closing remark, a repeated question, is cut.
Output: 7:36
